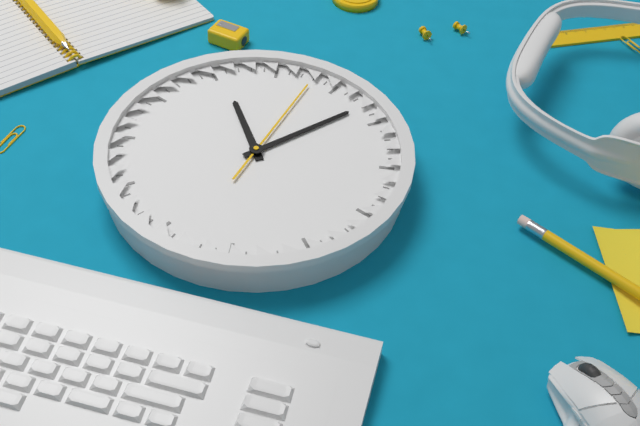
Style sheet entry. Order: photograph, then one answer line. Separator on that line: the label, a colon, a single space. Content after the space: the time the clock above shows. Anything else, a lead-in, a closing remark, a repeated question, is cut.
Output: 11:08:03
